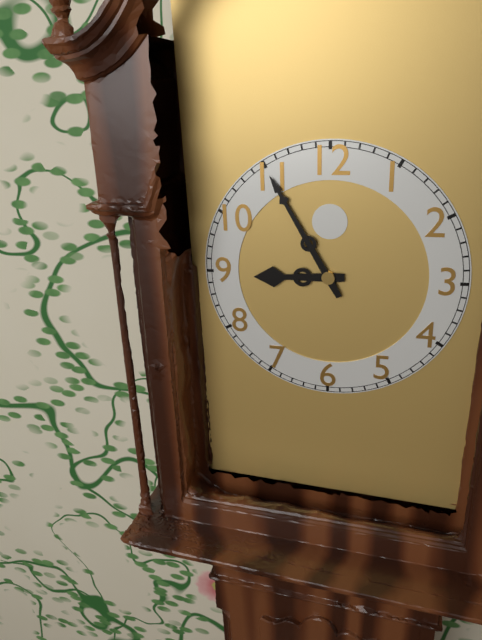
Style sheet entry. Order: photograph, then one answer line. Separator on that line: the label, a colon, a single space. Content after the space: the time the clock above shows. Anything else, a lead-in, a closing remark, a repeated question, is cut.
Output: 8:55
